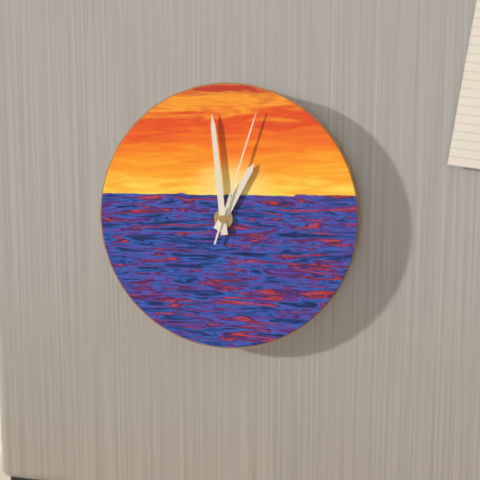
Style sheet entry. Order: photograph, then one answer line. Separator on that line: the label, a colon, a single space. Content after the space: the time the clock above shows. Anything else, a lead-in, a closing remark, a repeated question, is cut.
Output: 12:59:03
